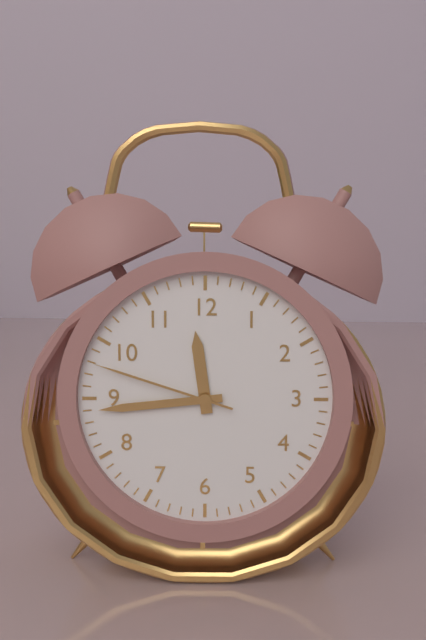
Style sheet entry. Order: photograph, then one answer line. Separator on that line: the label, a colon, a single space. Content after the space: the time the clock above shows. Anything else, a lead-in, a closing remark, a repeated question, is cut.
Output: 11:44:48
